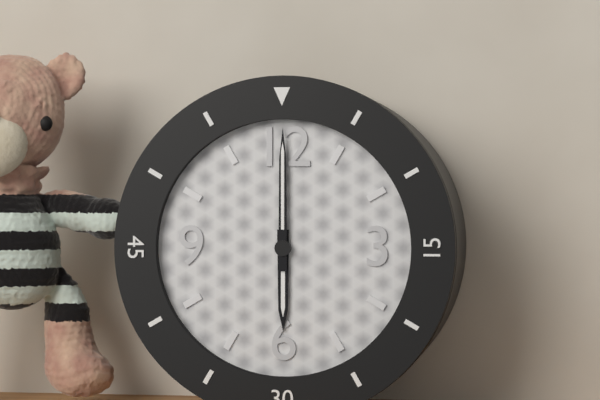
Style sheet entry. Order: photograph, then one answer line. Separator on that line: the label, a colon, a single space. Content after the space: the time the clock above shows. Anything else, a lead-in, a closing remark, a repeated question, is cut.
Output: 6:00
